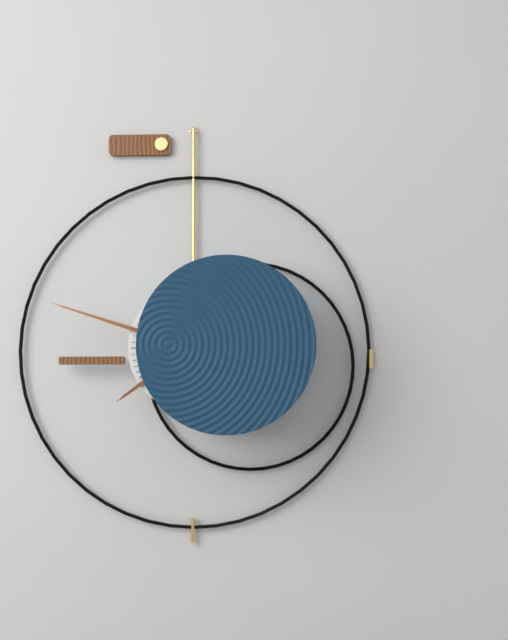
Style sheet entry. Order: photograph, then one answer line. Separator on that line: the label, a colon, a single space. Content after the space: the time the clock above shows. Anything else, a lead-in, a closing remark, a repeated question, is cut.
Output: 7:48
